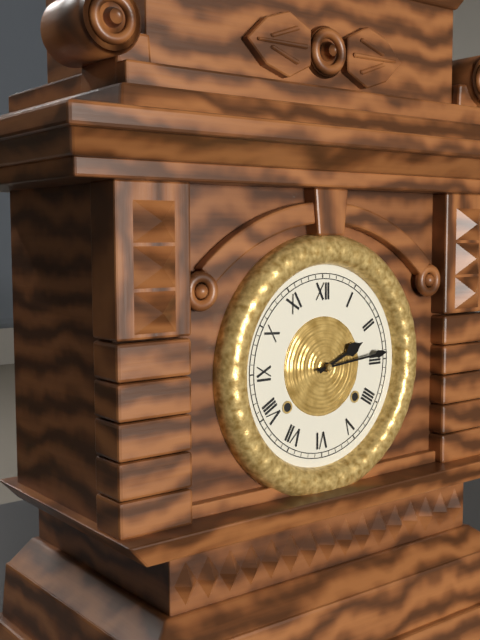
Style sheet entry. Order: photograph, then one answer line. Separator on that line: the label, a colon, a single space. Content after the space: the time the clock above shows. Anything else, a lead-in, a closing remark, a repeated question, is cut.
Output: 2:14
